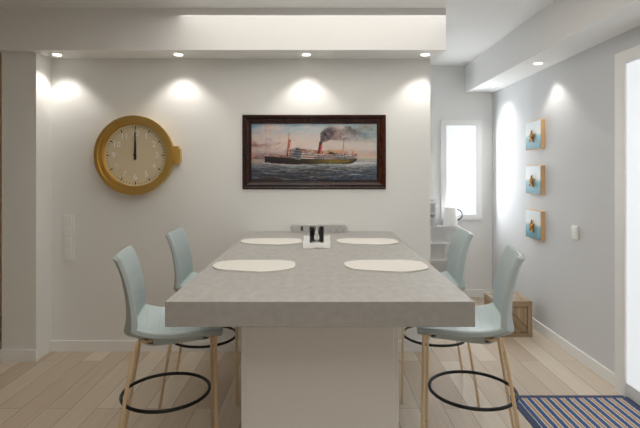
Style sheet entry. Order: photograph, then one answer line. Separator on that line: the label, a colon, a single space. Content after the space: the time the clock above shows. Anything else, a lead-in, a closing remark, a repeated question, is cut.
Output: 12:00
